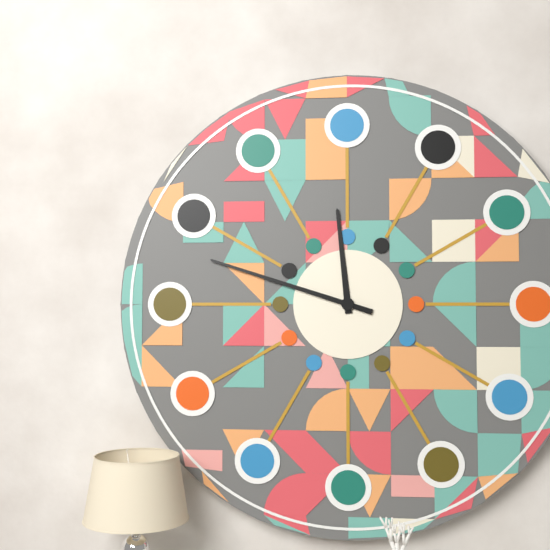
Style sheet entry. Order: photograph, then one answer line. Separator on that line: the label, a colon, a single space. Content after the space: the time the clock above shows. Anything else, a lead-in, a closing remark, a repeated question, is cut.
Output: 11:48
